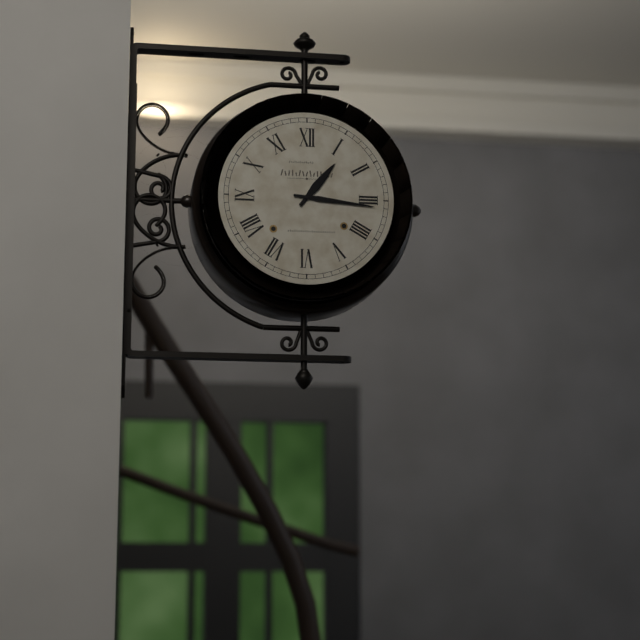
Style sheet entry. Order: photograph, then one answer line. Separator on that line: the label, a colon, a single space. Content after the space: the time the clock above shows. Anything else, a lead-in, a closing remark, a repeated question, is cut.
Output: 1:16
